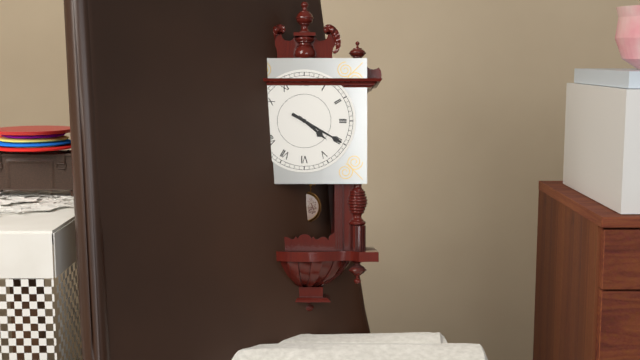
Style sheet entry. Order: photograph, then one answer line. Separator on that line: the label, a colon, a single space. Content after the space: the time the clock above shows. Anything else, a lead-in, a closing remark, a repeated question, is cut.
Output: 4:20
